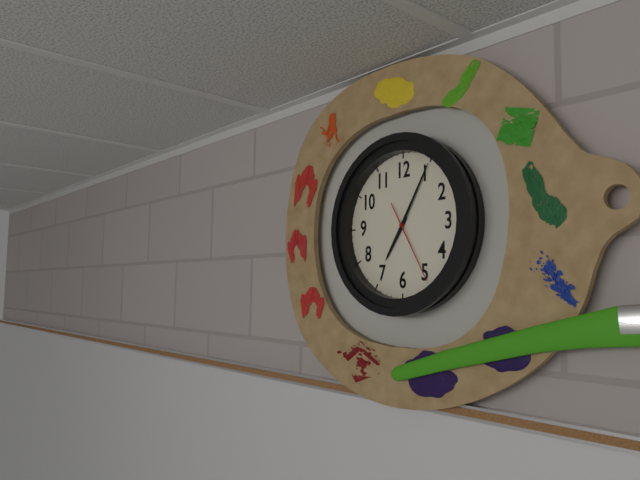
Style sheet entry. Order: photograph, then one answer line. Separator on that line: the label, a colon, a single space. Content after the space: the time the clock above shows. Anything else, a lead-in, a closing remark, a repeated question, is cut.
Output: 7:05:25
